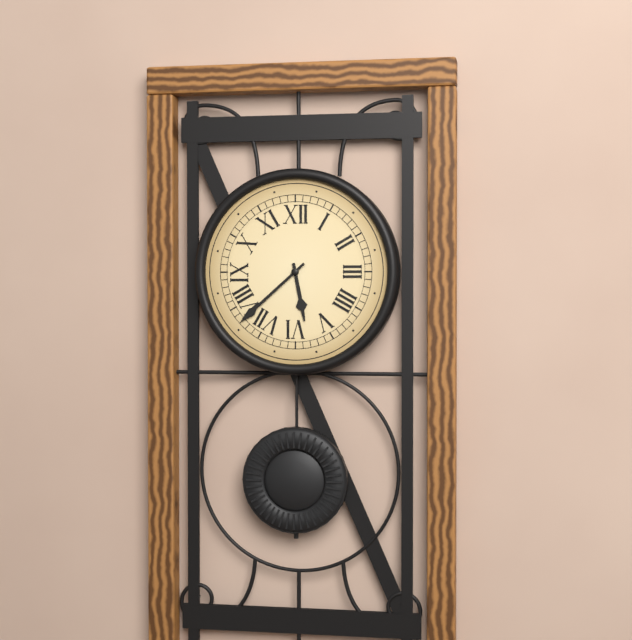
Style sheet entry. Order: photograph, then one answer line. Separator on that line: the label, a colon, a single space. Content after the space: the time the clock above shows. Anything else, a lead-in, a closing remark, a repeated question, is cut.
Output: 5:38
